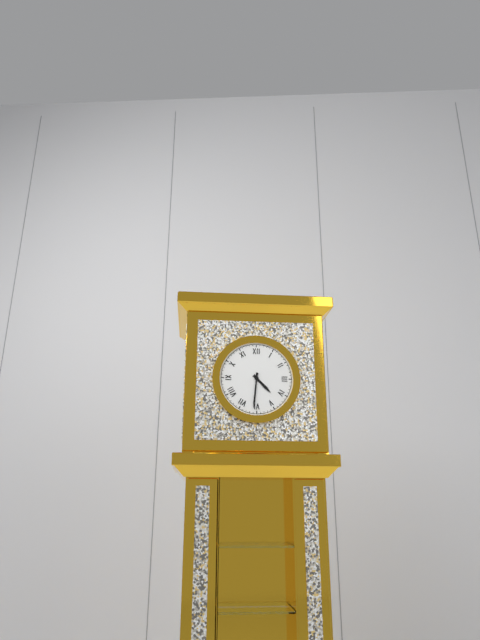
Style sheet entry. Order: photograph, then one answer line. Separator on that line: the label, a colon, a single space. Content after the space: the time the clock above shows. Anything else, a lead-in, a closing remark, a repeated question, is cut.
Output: 4:31
